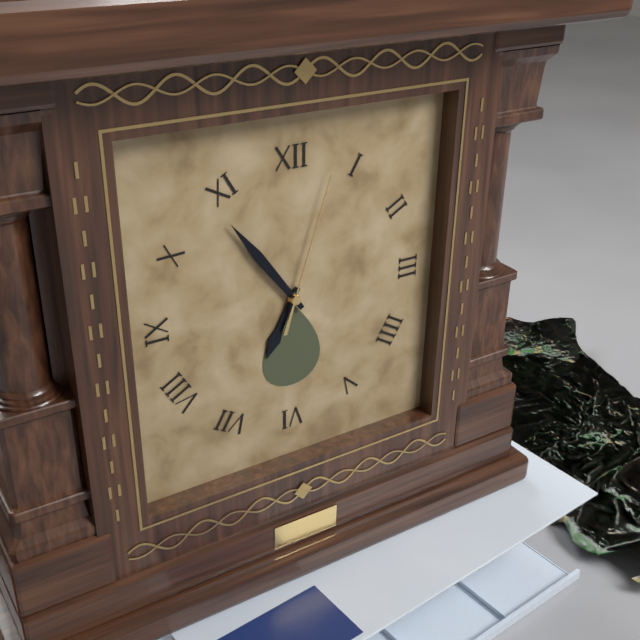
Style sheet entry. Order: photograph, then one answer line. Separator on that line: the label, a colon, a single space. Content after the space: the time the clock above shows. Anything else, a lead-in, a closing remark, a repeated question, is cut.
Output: 6:54:03
